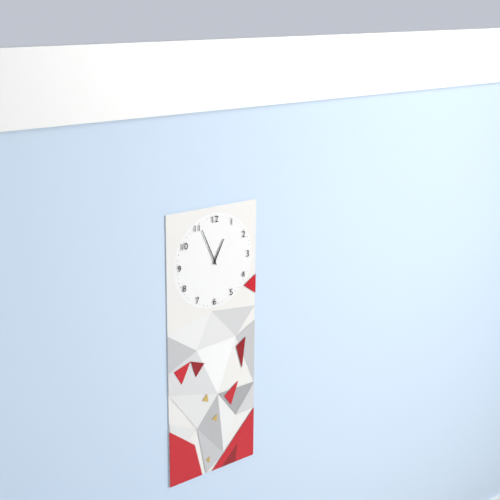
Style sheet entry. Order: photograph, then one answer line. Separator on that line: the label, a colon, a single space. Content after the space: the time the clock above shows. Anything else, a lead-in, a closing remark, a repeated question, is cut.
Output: 12:56
